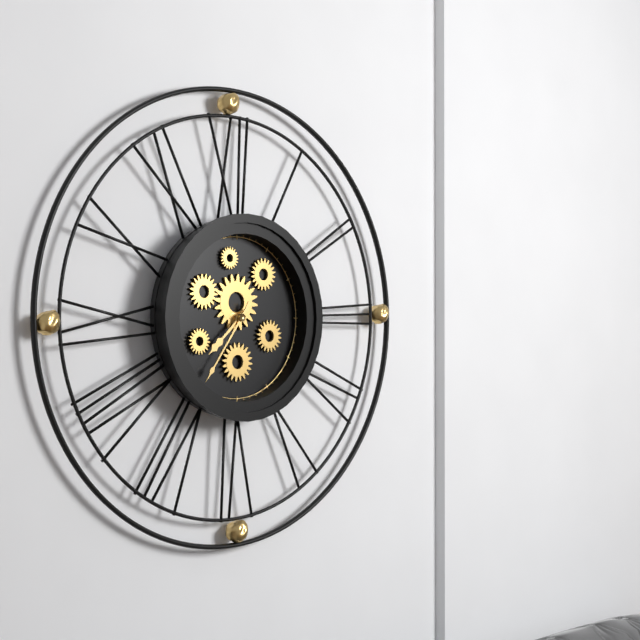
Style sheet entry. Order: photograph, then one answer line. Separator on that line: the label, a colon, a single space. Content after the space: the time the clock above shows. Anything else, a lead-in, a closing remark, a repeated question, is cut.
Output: 7:36
